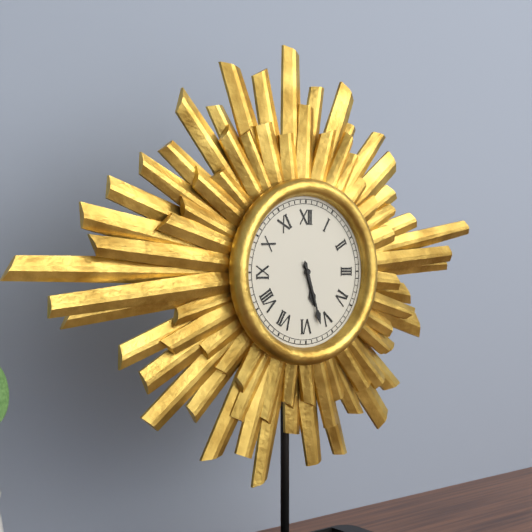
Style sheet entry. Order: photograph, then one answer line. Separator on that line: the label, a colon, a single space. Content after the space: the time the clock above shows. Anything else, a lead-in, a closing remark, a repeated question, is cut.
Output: 5:27
